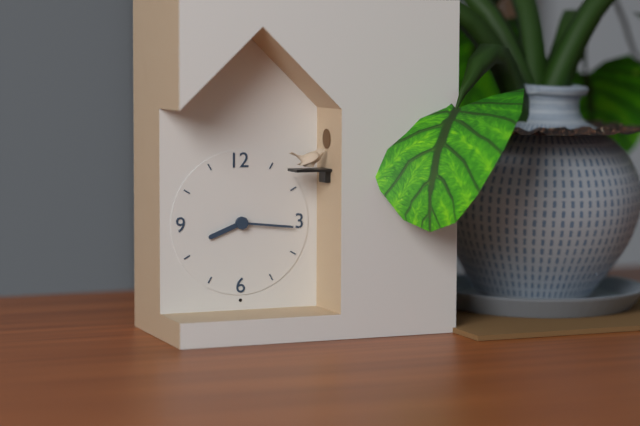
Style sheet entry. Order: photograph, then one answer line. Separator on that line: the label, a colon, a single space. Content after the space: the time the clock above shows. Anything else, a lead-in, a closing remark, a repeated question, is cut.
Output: 8:16
